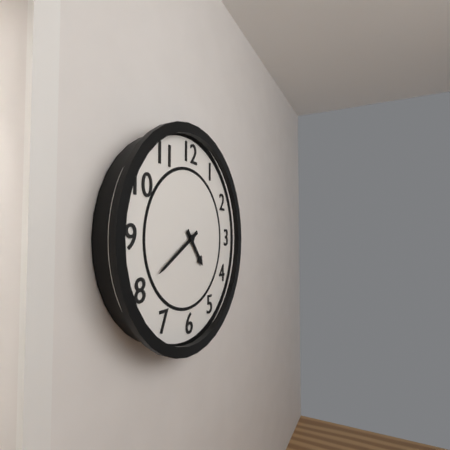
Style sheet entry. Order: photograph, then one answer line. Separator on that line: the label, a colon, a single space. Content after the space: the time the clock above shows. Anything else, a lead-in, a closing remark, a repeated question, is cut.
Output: 4:40
